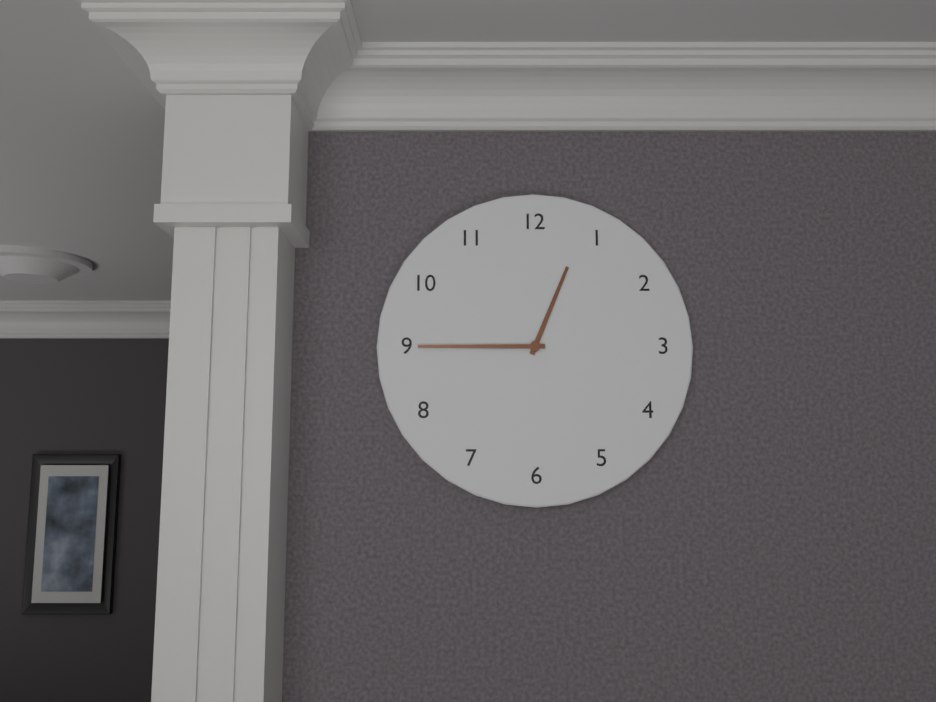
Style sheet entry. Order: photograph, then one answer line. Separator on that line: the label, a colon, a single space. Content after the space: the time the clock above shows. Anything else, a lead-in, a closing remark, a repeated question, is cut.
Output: 12:45
